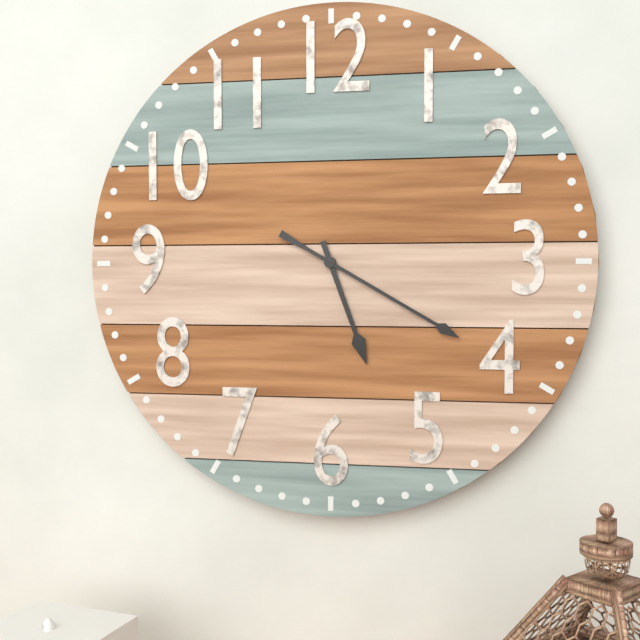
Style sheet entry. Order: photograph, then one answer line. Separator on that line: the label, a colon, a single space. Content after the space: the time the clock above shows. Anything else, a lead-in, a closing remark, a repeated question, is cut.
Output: 5:20
